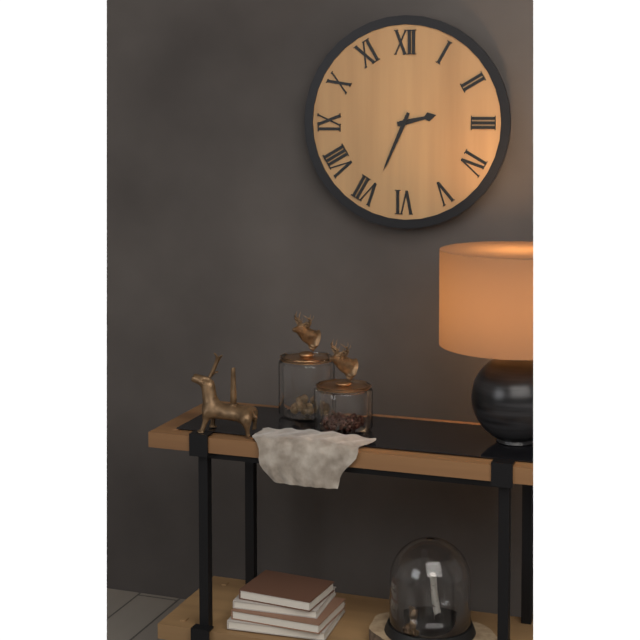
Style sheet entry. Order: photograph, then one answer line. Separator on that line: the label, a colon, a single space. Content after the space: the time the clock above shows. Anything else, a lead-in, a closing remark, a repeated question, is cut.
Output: 2:34
